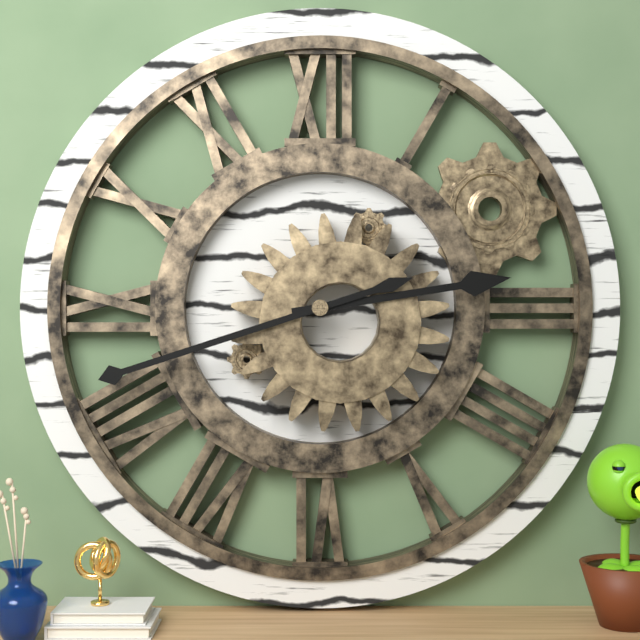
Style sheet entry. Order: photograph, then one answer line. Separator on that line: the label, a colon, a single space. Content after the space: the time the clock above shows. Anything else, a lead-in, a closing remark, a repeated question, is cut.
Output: 2:42
